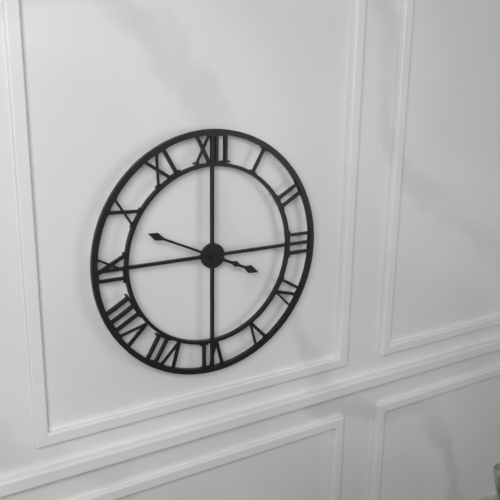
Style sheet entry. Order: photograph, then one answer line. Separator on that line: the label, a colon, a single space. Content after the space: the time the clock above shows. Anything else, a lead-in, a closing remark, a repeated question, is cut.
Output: 3:49
